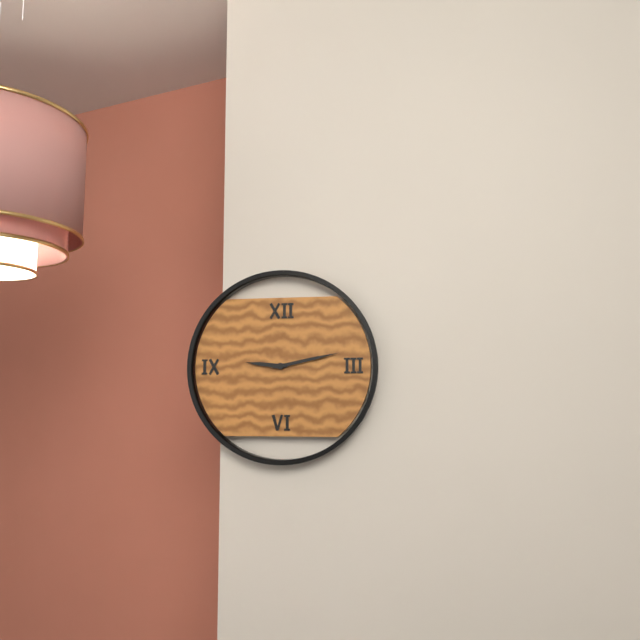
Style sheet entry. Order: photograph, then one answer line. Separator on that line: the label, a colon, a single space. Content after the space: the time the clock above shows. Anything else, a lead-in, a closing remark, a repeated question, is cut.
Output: 9:13
